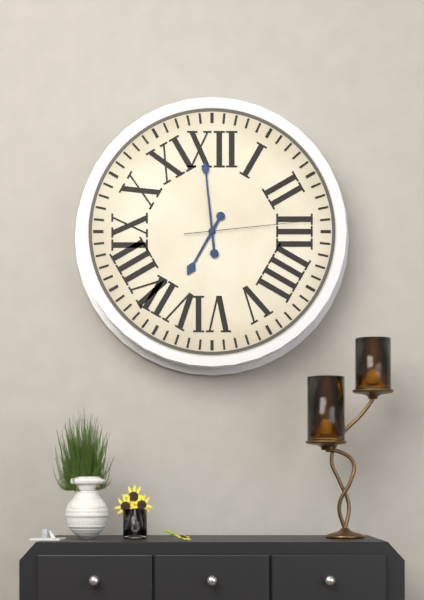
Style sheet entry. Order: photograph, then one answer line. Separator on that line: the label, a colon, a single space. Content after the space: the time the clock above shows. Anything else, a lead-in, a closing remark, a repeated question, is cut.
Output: 6:59:14
